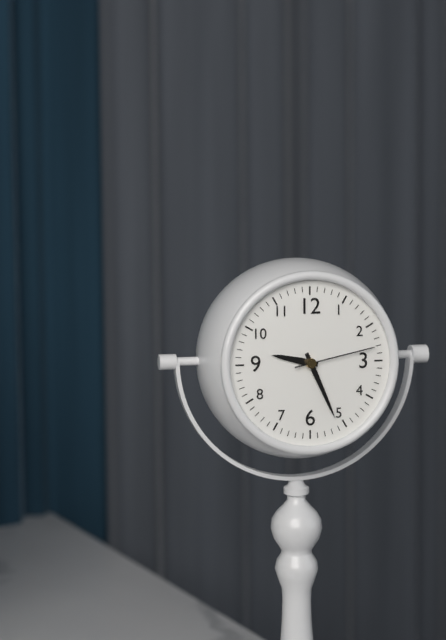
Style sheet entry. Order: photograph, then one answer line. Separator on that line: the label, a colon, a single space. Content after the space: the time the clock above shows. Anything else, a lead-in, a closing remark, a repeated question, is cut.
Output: 9:26:13
